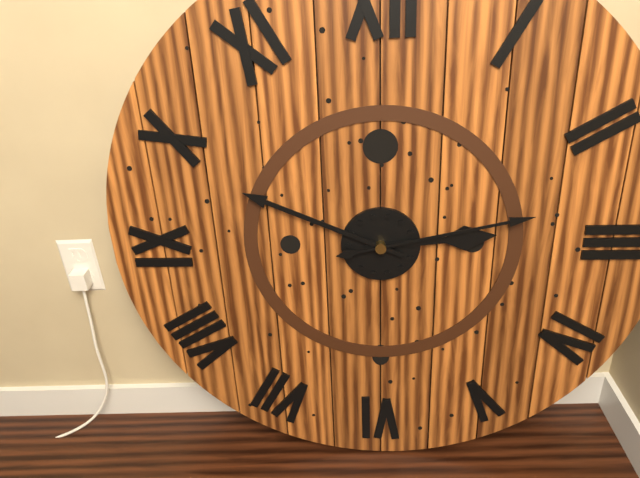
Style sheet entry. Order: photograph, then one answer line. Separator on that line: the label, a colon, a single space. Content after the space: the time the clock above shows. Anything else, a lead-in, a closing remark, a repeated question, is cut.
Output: 2:49:13
